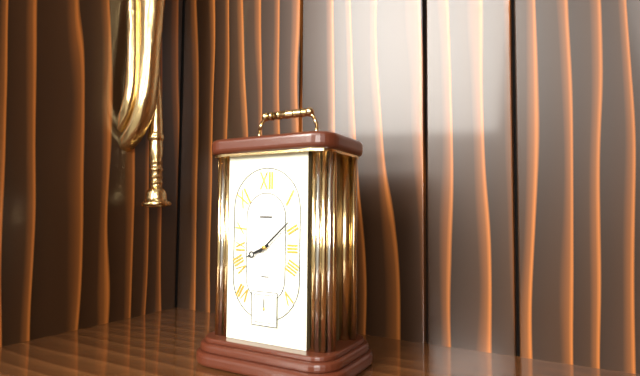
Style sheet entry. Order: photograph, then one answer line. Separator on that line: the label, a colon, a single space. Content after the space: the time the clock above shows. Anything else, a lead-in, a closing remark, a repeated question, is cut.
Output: 8:08
